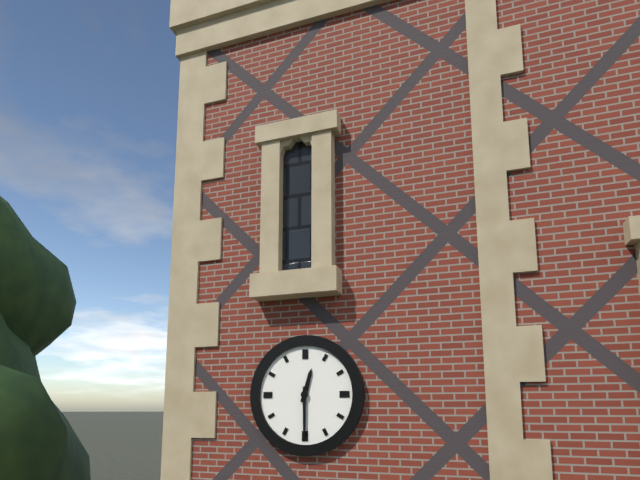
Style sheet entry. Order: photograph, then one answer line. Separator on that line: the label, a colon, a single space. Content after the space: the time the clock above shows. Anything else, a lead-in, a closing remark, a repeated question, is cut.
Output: 12:30
